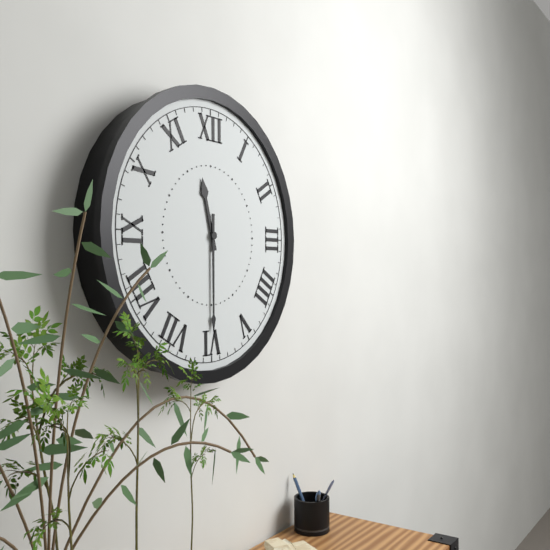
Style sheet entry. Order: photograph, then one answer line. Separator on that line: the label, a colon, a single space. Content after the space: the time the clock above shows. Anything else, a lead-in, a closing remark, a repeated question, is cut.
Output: 11:30
